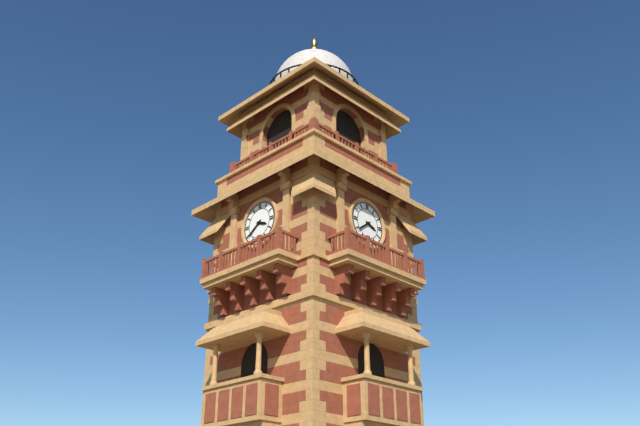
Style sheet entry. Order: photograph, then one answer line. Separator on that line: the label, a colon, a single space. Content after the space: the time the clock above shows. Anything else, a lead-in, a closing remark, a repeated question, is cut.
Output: 3:39
